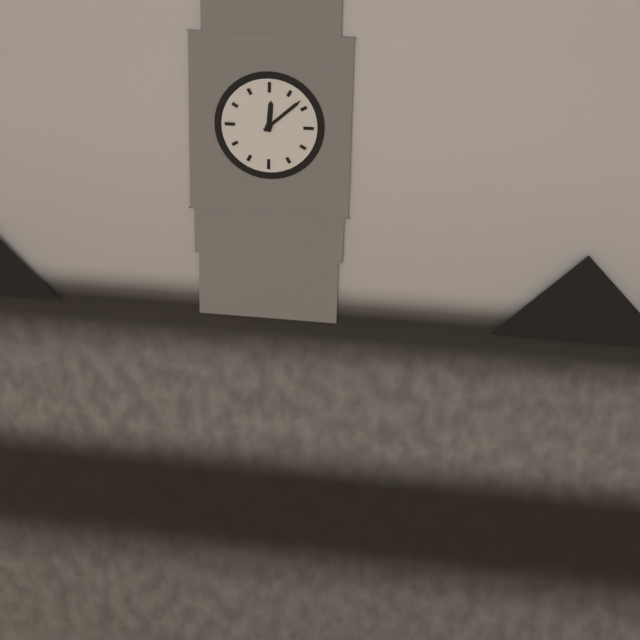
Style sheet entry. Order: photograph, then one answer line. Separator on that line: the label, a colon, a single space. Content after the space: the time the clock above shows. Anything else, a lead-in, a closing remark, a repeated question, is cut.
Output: 12:08
